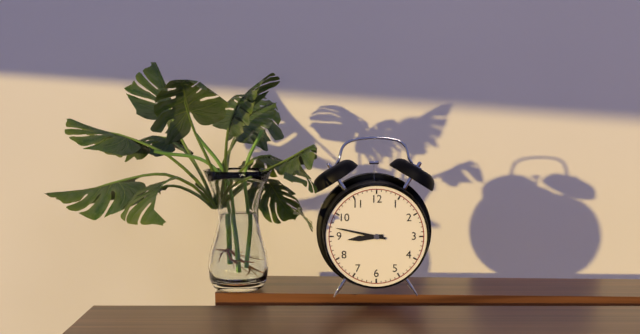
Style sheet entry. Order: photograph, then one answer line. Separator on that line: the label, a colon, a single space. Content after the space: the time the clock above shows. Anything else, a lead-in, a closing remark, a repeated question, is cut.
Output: 8:47
